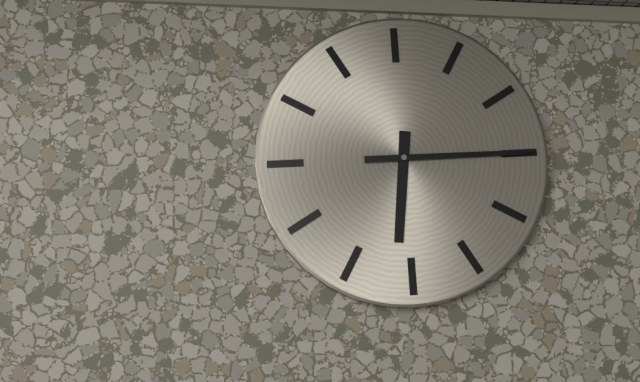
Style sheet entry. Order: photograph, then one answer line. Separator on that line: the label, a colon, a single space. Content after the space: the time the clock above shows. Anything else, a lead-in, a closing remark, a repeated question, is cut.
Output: 6:15
